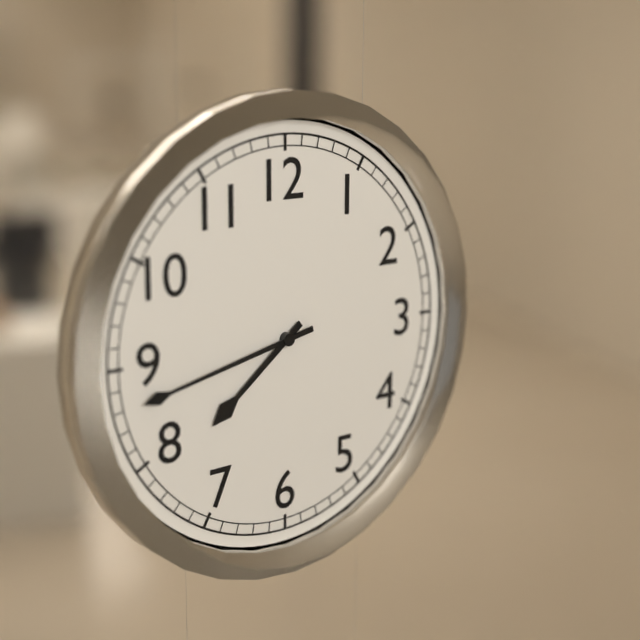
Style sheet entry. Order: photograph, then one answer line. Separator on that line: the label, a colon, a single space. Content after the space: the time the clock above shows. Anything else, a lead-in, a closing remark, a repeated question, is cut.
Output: 7:43
